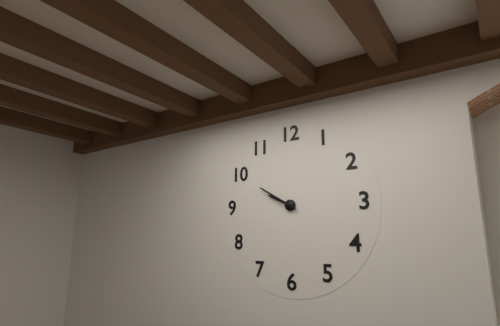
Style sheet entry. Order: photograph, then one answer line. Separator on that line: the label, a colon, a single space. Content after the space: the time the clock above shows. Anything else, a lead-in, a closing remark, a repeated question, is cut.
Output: 9:50
